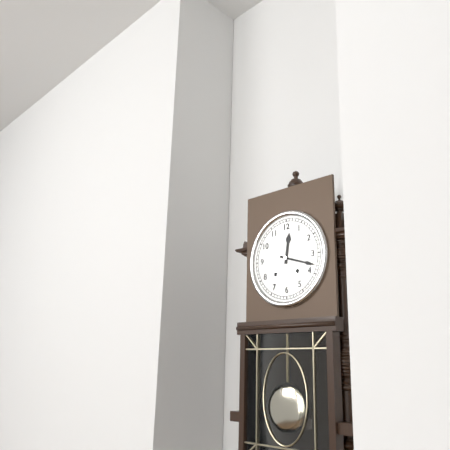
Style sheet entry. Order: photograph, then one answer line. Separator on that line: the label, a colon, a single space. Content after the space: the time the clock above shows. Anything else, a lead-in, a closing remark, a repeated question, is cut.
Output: 12:18
